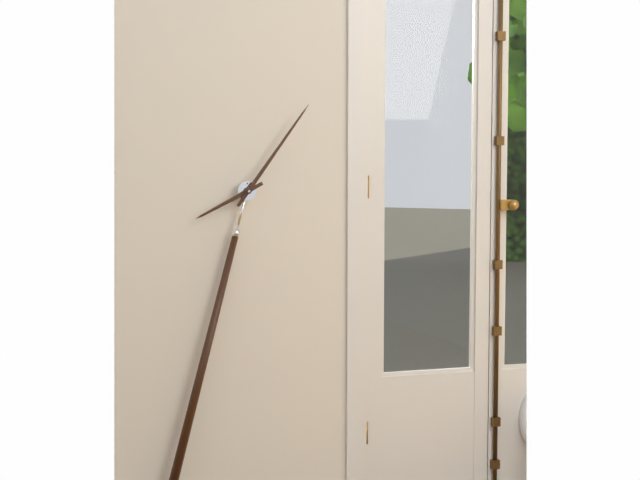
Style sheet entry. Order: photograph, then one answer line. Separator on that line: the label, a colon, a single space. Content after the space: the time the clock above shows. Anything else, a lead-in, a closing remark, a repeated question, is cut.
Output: 8:06
